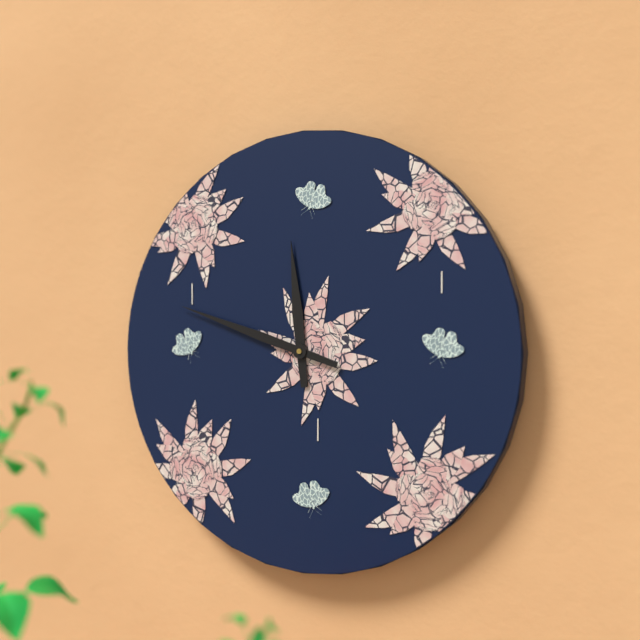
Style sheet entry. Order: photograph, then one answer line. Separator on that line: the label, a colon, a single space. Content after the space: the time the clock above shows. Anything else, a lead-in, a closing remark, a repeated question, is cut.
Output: 11:48
